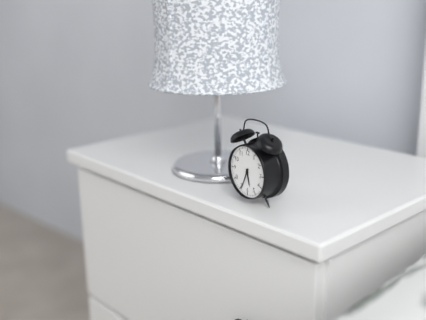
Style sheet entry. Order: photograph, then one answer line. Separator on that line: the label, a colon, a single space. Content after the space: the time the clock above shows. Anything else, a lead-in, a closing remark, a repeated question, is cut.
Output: 5:34
